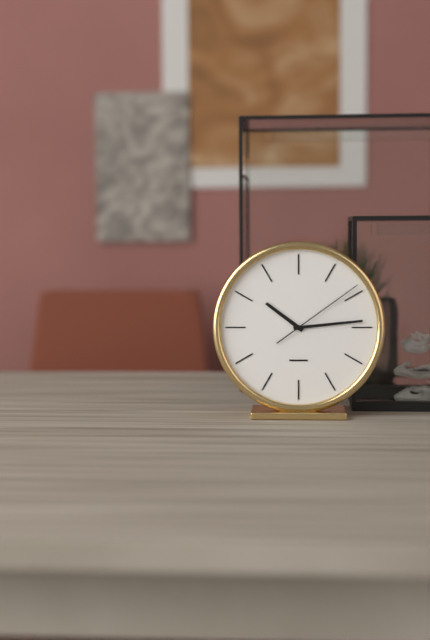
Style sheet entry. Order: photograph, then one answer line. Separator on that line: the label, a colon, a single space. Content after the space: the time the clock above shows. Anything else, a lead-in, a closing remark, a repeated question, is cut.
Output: 10:14:09
